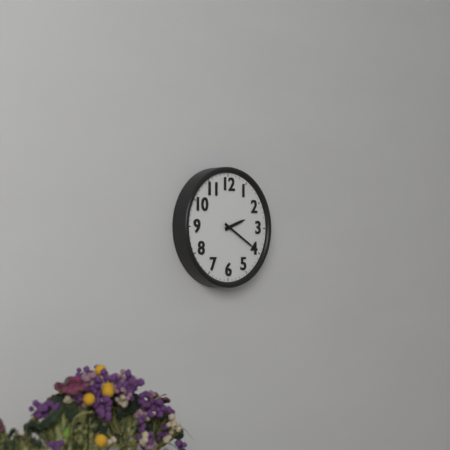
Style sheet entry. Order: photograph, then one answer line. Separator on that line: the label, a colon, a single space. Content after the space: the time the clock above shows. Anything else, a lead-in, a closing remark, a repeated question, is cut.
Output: 2:20
